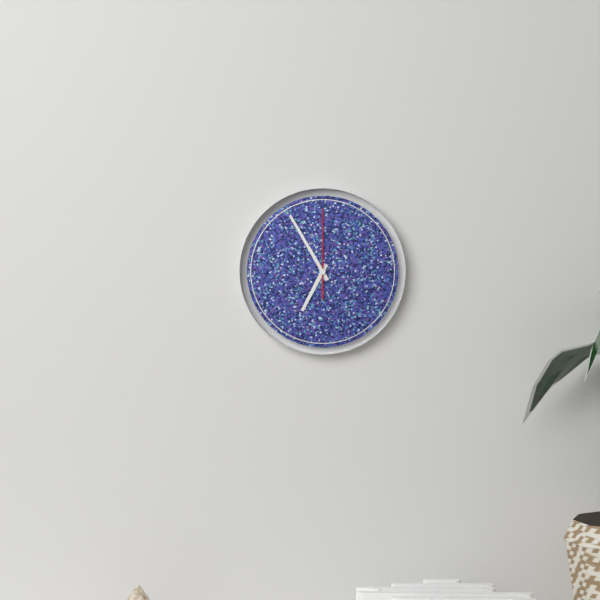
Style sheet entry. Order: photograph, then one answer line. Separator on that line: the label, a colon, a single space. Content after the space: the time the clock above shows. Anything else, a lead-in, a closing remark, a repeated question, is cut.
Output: 6:55:00
